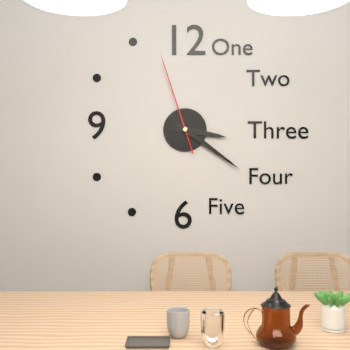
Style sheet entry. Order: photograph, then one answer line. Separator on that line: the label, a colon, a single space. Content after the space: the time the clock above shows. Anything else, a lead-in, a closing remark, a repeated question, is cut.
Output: 3:21:57
